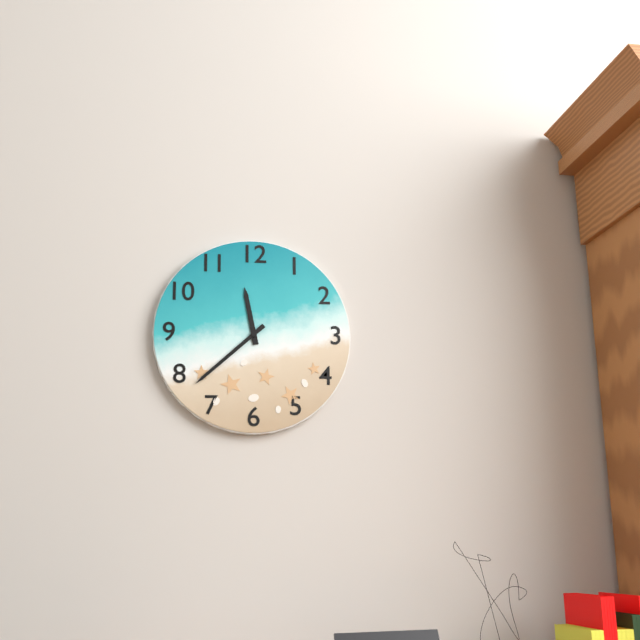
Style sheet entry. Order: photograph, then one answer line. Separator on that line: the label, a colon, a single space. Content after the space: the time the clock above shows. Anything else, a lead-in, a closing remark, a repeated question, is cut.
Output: 11:38
